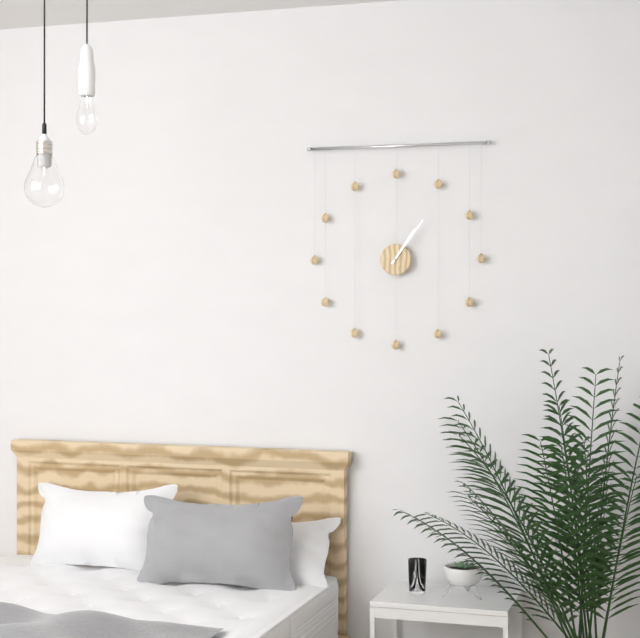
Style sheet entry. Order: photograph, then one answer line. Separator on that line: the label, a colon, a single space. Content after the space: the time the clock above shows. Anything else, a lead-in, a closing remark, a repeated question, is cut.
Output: 1:06
